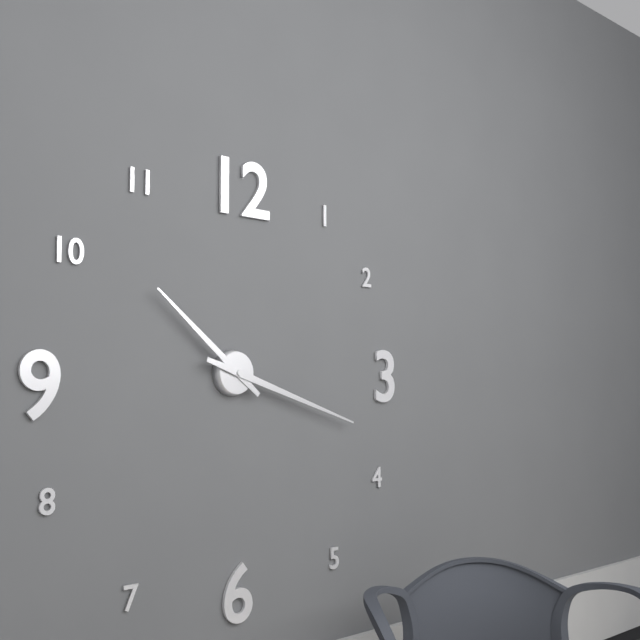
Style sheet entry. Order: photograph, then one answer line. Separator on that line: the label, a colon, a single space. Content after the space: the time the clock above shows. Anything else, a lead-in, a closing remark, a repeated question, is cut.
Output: 10:18
